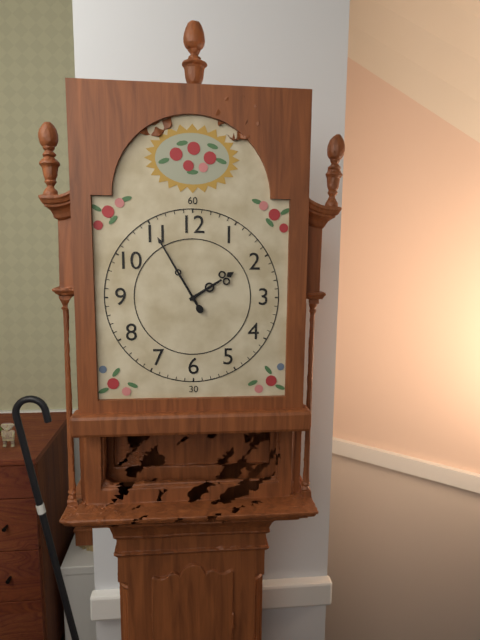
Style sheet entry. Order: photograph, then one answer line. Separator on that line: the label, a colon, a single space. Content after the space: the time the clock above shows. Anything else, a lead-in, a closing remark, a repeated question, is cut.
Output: 1:55
